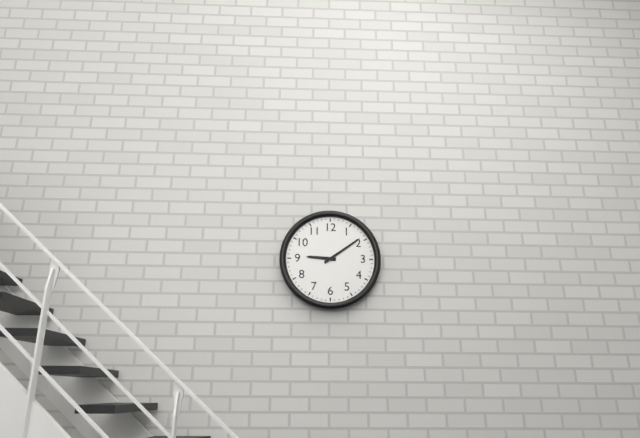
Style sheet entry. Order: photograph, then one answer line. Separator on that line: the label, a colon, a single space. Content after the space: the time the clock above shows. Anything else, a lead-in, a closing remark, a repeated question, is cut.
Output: 9:09
